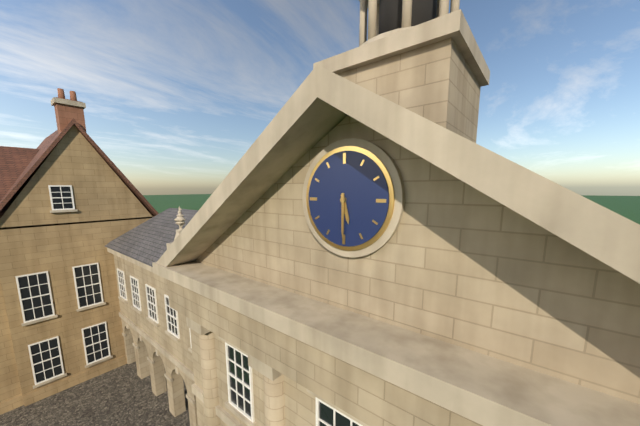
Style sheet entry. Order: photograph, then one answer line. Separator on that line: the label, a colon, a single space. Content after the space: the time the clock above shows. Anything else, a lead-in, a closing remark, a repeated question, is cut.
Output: 5:30
